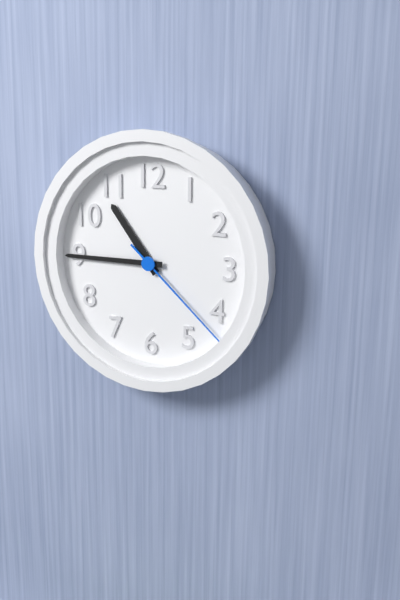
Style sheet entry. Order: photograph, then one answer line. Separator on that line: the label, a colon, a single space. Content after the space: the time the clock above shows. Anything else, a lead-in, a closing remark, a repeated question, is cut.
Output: 10:45:22
